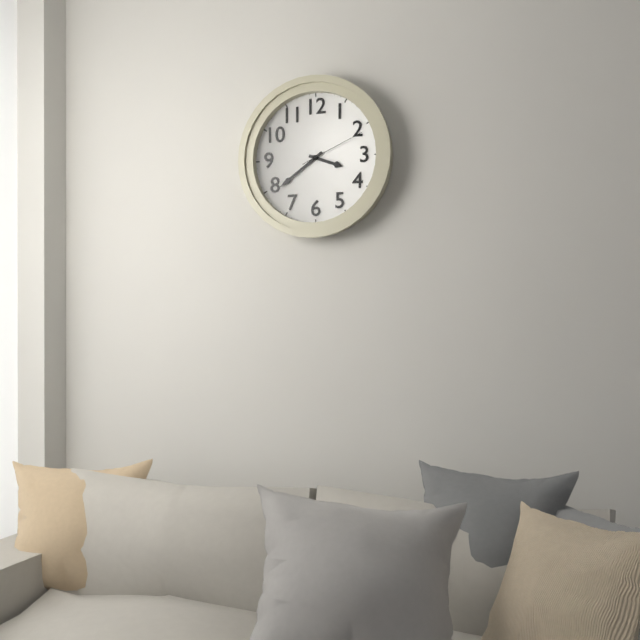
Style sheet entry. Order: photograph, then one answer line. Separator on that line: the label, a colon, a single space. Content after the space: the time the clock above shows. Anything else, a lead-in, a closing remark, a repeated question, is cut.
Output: 3:39:11
